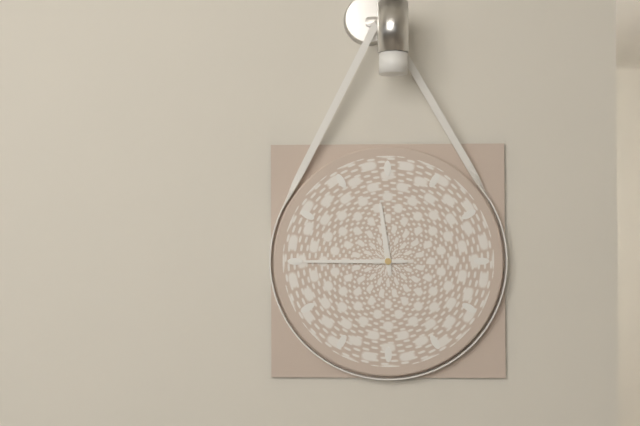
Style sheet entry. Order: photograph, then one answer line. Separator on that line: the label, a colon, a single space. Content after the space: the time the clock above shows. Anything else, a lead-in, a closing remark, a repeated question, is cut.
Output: 11:45
